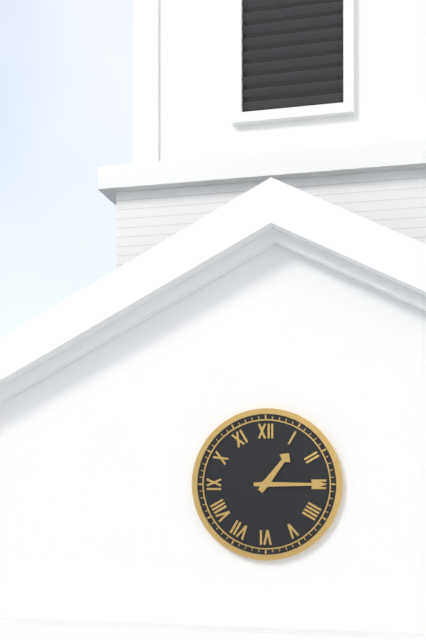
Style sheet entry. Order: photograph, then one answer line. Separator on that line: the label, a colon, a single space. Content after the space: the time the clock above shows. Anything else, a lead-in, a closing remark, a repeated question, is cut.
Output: 1:15
